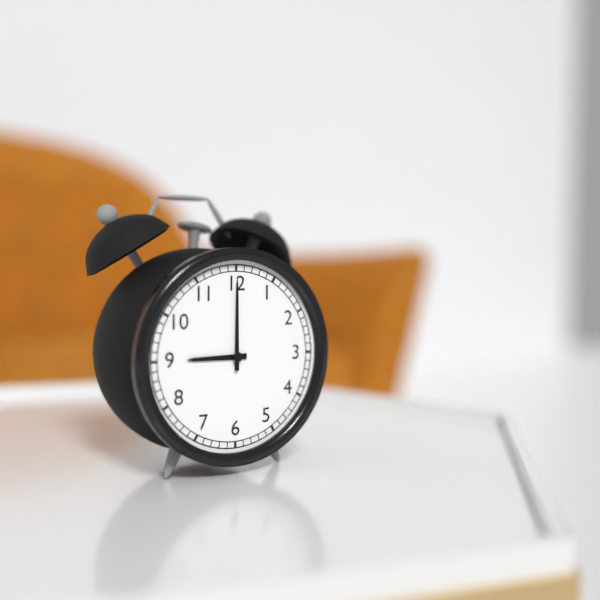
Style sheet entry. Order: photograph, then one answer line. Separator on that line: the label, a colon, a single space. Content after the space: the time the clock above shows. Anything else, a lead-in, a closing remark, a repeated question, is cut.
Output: 9:00
